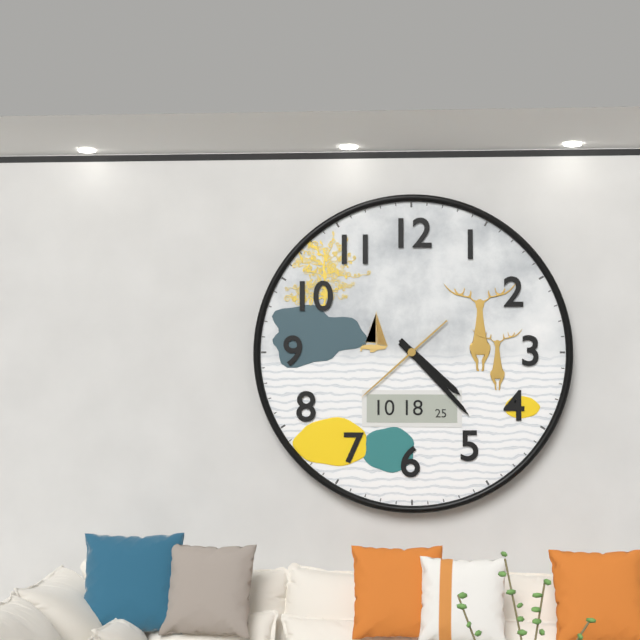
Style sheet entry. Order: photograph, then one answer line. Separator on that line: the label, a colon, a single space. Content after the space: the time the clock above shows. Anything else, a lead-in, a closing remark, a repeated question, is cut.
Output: 4:23:38
